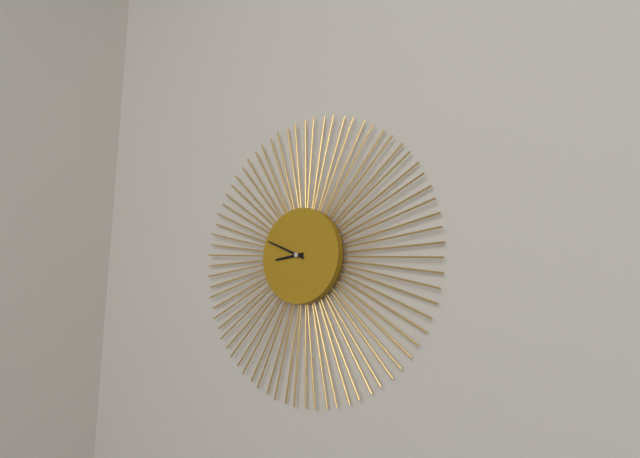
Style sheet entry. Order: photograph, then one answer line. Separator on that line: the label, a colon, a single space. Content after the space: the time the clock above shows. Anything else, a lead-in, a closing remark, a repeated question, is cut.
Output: 8:49
